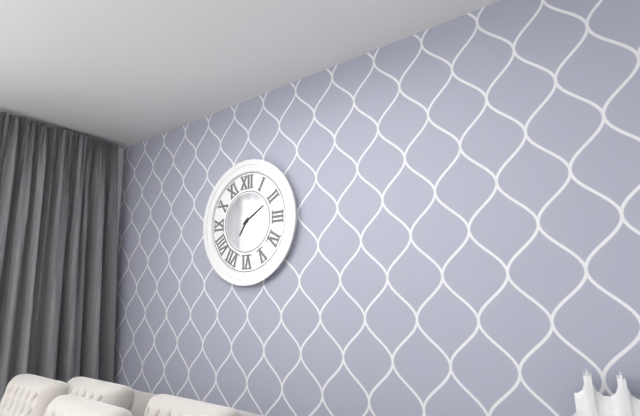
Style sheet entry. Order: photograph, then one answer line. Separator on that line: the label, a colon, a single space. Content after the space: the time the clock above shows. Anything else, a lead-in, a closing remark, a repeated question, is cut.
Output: 7:10
